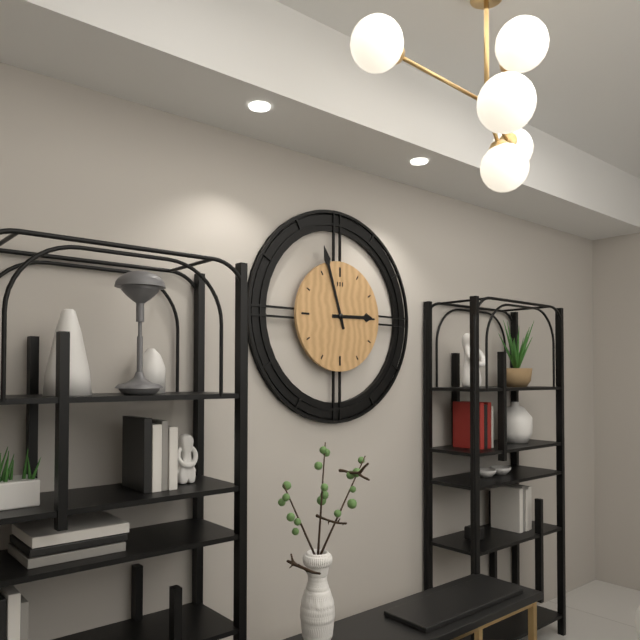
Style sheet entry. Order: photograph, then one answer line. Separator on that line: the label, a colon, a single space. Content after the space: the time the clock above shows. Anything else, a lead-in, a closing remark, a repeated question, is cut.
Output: 2:57
